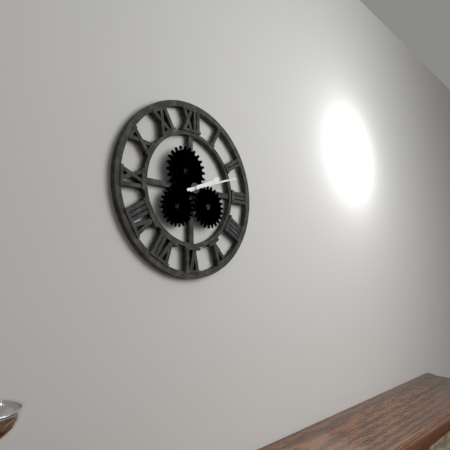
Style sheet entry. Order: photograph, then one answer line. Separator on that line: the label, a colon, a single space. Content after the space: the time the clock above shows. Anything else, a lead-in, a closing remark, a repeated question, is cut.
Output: 2:12
